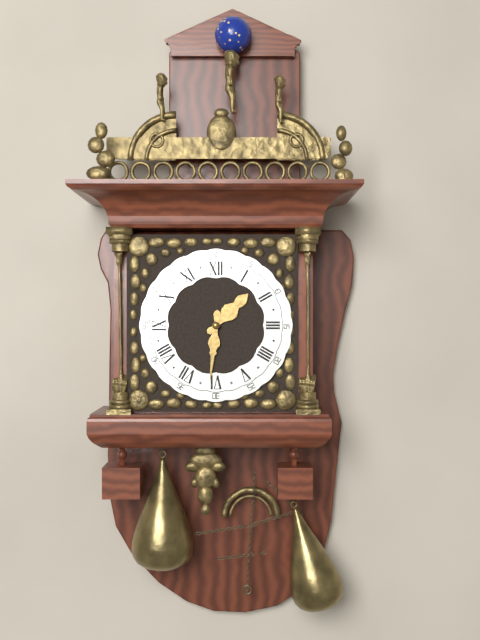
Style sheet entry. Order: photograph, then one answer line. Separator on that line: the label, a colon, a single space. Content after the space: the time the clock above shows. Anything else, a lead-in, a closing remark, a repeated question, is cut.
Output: 1:31
